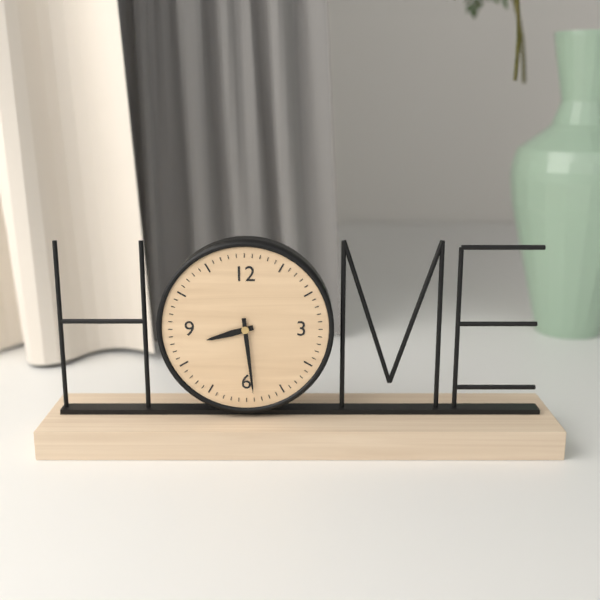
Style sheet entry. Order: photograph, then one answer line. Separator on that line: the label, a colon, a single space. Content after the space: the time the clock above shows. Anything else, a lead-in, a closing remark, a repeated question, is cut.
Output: 8:29
